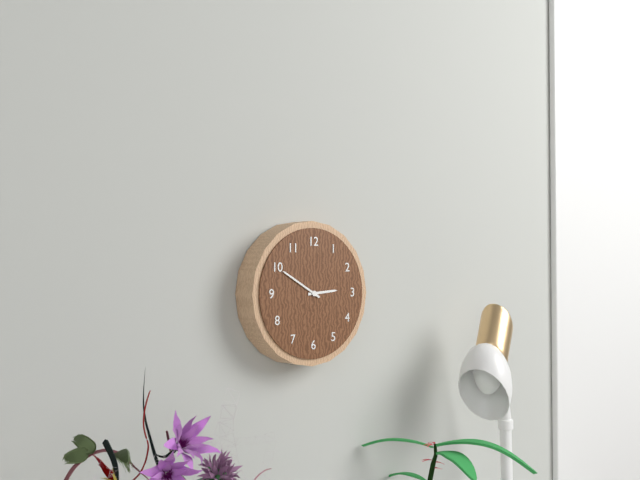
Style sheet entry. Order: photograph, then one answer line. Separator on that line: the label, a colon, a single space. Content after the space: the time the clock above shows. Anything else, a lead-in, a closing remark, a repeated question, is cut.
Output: 2:50
